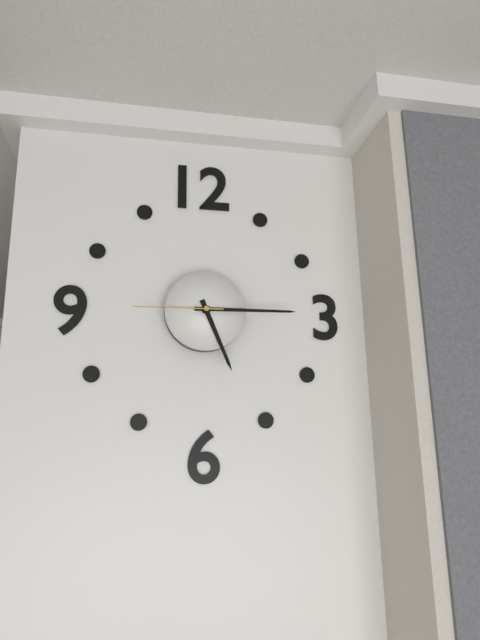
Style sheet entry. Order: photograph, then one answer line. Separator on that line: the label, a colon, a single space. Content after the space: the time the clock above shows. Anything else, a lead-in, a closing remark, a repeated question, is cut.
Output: 5:15:45
